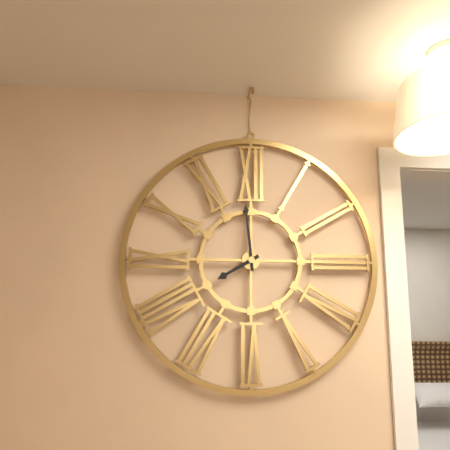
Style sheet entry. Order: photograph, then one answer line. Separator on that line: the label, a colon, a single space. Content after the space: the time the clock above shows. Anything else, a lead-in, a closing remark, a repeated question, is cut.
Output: 7:59
